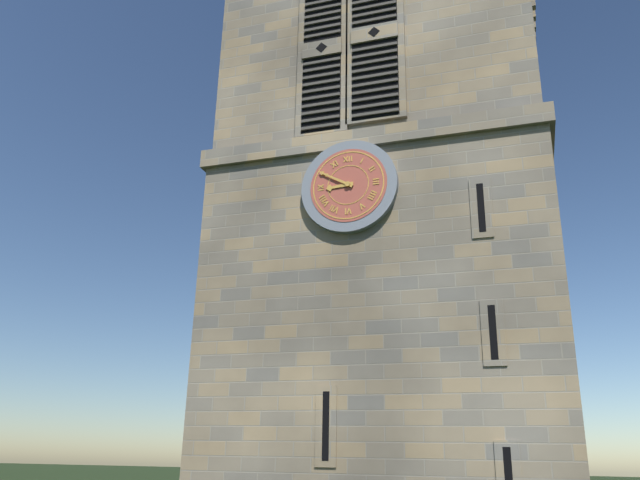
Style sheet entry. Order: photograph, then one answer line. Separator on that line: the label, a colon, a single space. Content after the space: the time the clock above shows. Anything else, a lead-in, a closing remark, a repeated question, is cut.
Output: 8:50
